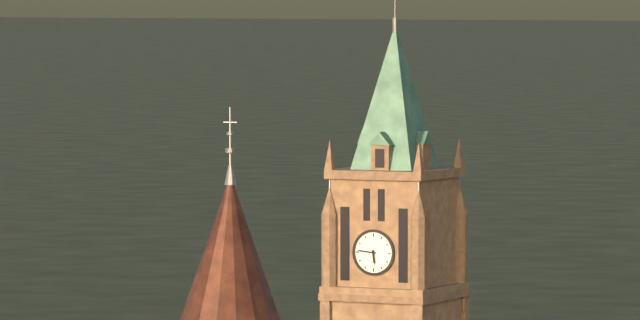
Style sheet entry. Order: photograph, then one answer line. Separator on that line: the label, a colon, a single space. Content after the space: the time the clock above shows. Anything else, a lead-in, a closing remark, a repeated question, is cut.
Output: 5:46
